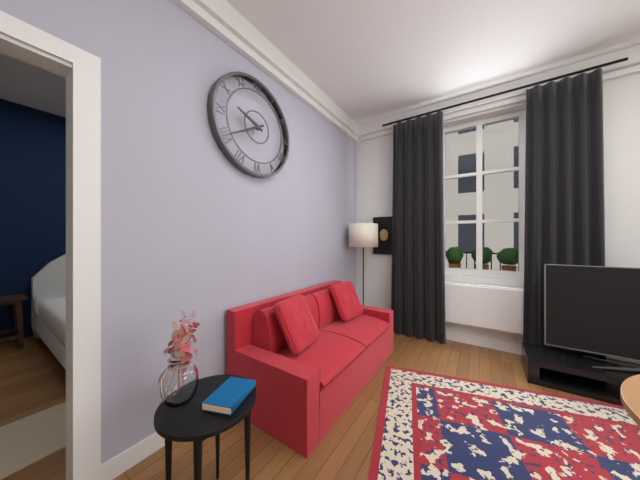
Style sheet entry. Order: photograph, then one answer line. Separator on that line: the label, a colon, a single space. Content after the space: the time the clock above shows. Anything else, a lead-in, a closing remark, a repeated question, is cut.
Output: 9:40
